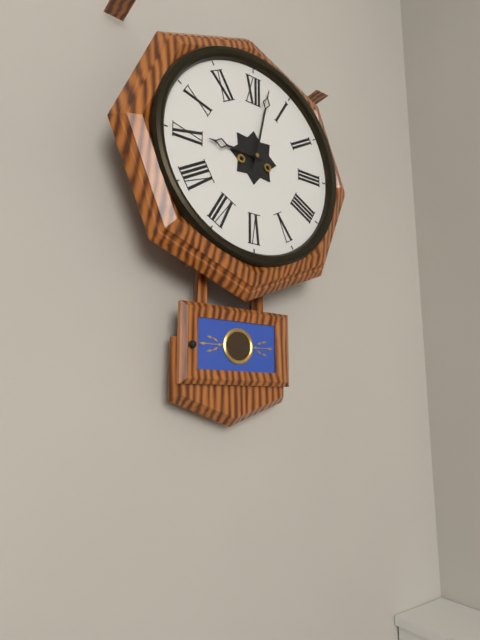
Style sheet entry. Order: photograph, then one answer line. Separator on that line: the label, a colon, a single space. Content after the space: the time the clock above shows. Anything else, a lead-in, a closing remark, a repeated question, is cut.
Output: 9:02
